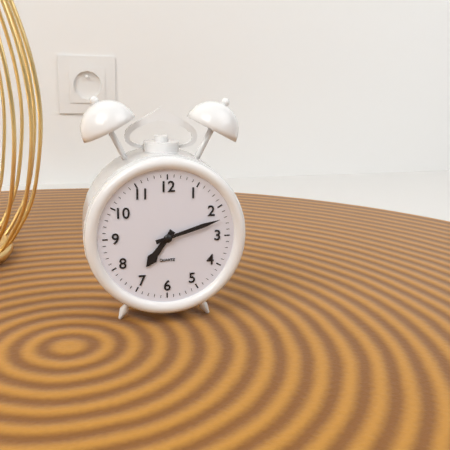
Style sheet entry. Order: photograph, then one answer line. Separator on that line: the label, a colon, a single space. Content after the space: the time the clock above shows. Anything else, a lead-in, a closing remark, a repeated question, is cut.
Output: 7:12
